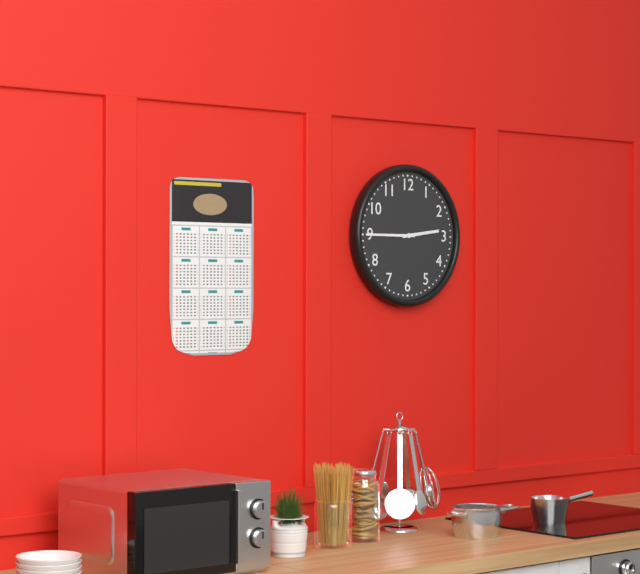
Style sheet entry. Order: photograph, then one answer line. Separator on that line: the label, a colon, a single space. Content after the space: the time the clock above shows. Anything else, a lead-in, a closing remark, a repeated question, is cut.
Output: 2:45
